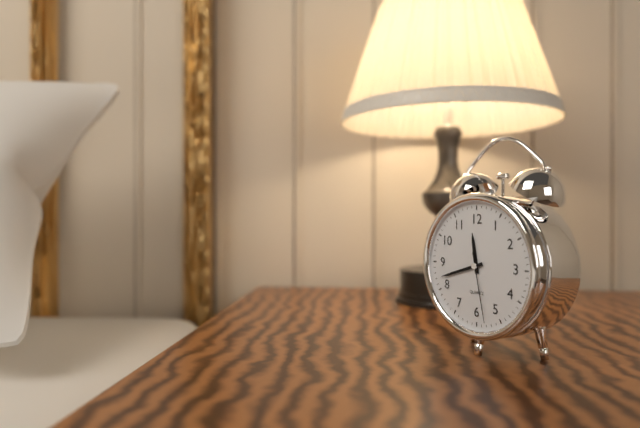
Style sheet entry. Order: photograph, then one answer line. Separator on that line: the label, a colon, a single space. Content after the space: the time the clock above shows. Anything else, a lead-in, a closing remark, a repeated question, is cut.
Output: 11:42:28
